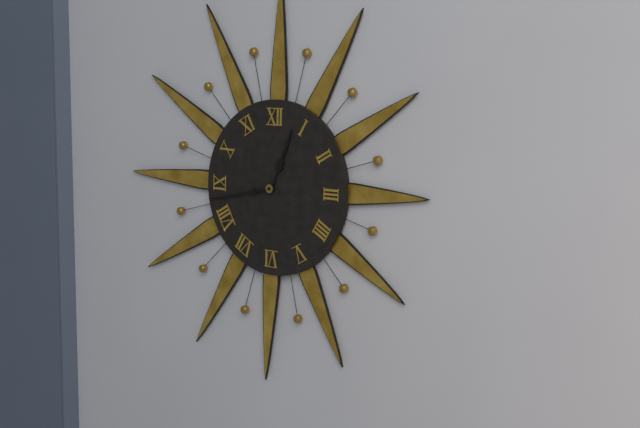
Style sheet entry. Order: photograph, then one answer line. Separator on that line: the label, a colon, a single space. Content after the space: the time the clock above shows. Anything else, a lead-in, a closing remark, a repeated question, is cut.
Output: 12:43
